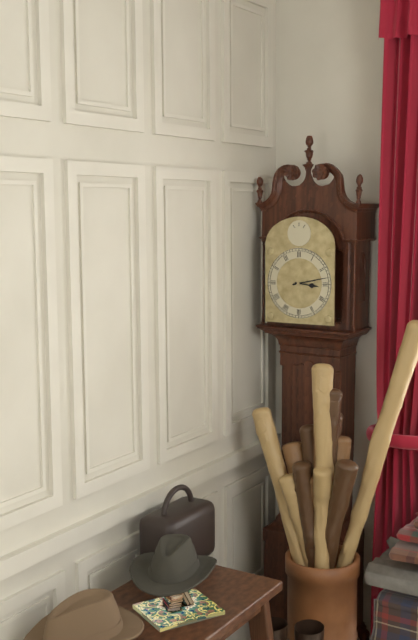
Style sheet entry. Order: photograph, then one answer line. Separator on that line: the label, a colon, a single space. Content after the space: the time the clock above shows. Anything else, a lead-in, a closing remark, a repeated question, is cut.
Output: 3:13
